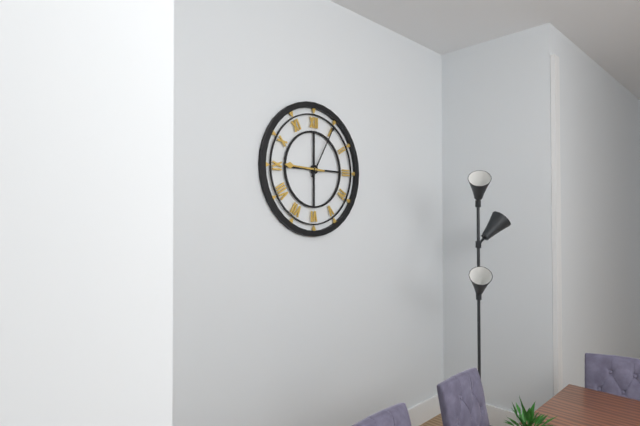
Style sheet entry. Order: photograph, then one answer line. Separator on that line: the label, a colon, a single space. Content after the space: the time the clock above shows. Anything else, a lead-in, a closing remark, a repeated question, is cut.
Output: 9:05
